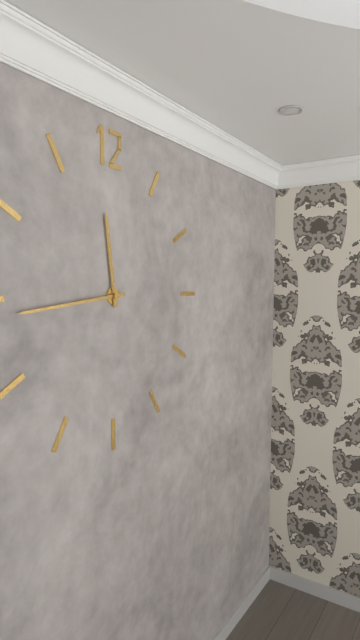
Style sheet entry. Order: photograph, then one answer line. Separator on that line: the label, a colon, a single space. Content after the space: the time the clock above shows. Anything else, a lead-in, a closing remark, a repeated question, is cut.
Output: 11:44
